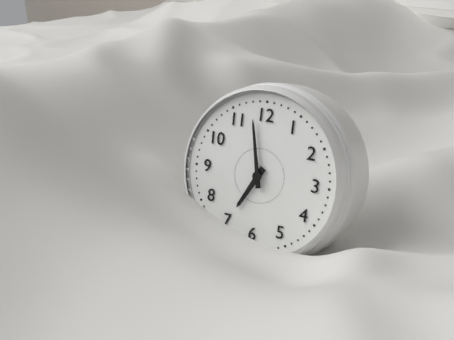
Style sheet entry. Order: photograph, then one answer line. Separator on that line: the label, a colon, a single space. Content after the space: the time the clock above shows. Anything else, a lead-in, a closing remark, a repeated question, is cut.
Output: 6:58
